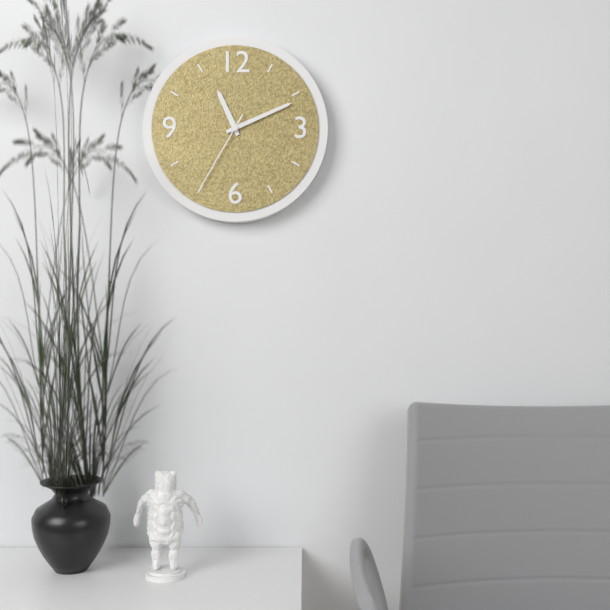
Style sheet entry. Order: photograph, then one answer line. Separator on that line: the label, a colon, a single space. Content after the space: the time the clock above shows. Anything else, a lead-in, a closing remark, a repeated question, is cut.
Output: 11:11:35
